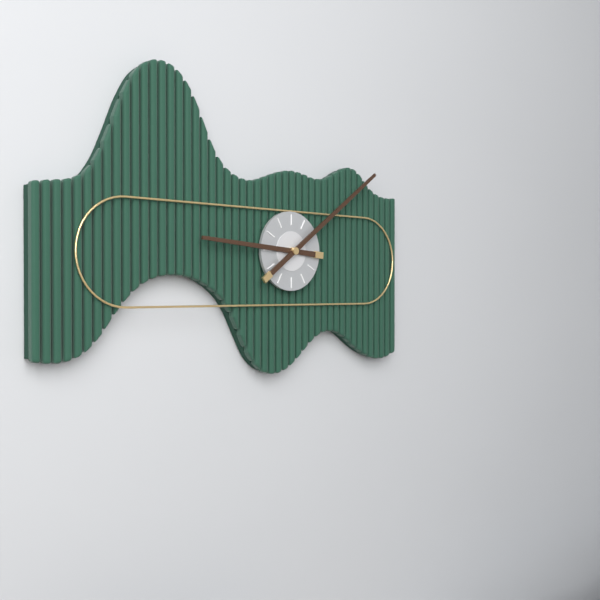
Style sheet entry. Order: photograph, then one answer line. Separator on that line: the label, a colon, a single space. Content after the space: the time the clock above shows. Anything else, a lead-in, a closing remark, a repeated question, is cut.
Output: 9:09
